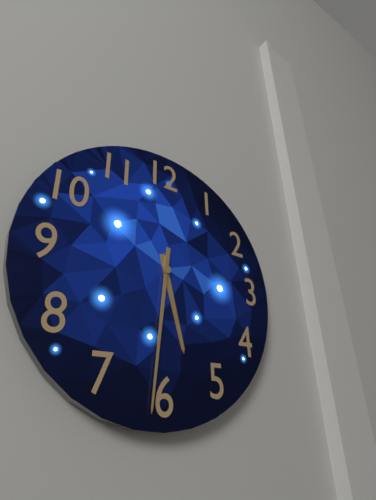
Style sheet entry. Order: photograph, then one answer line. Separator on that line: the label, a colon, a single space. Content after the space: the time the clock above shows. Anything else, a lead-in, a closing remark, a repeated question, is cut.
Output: 5:31
